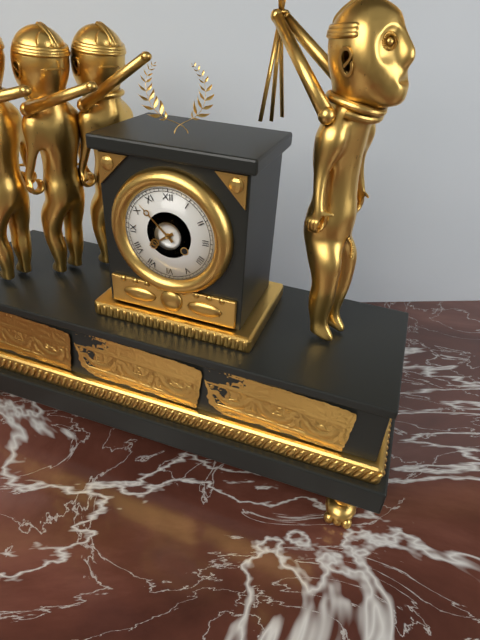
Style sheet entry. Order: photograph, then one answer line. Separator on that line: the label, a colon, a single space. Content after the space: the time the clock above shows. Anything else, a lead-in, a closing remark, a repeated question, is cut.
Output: 7:52
